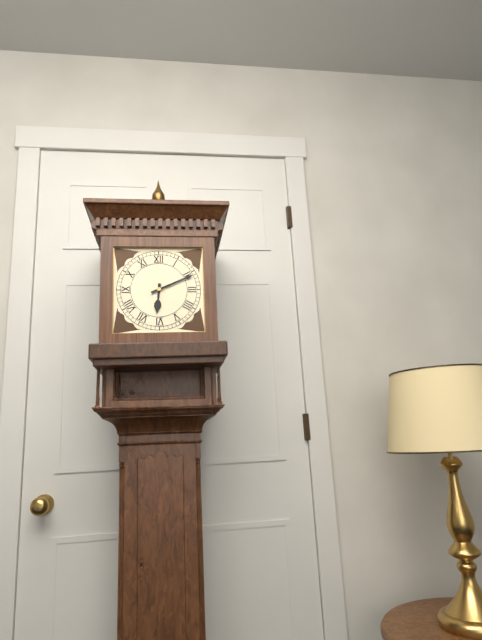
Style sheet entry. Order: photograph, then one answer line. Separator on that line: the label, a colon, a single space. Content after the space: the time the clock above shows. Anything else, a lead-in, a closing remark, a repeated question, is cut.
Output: 6:11
